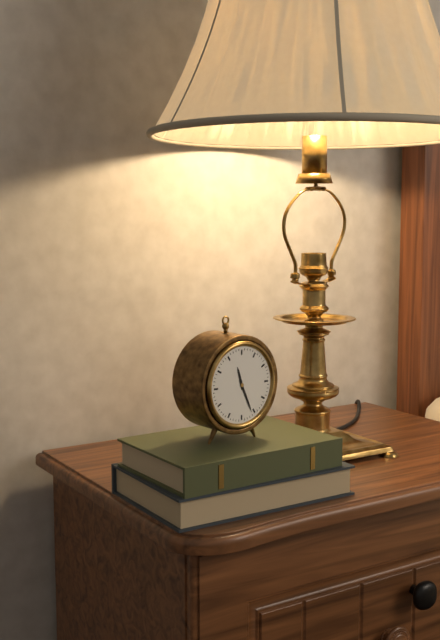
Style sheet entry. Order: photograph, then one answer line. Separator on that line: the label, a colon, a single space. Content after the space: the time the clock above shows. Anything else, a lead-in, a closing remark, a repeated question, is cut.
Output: 11:26
